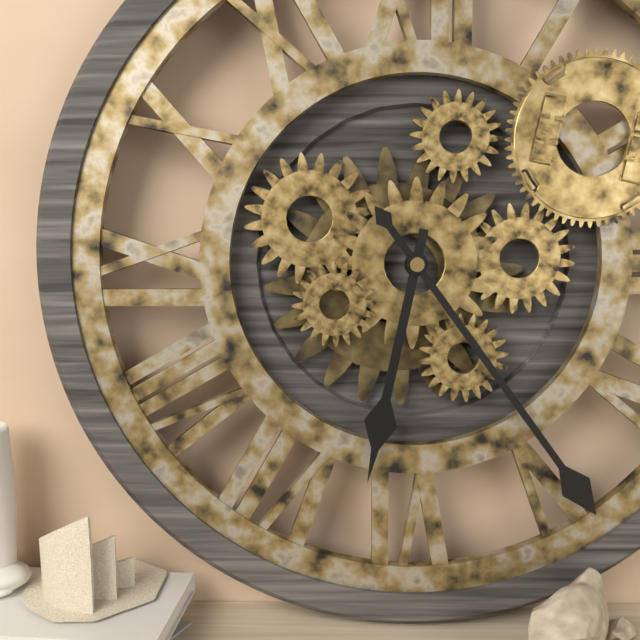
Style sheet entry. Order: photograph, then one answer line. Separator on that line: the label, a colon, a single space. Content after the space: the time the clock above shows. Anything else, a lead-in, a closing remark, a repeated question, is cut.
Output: 6:24
